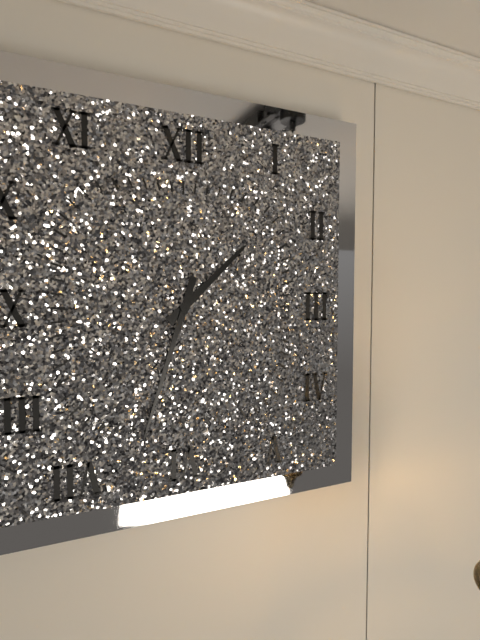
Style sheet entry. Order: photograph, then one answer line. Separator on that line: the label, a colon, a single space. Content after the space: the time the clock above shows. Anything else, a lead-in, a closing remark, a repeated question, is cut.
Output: 1:33
